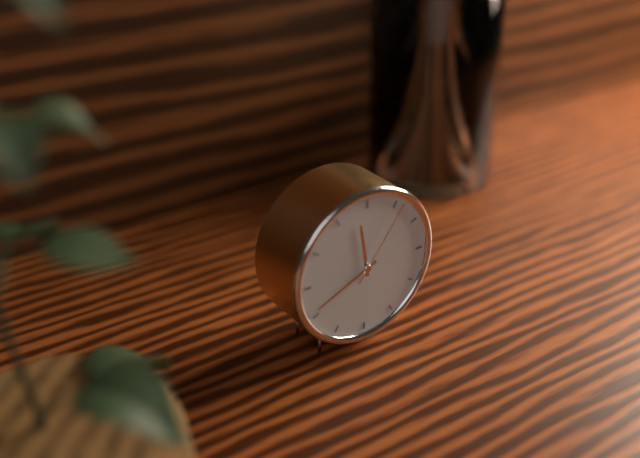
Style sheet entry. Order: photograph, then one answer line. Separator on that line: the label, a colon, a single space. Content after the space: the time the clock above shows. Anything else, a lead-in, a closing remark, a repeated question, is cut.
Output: 11:41:06
